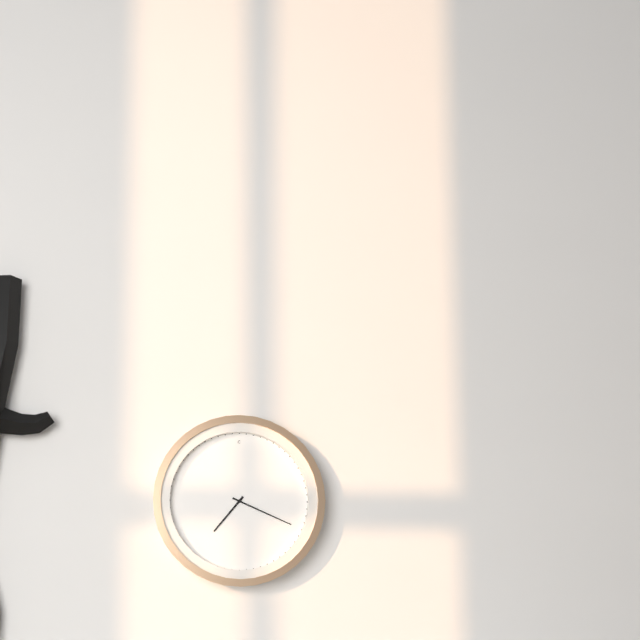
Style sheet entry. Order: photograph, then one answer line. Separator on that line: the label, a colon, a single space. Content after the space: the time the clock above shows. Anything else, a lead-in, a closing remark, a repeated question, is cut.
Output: 7:19
